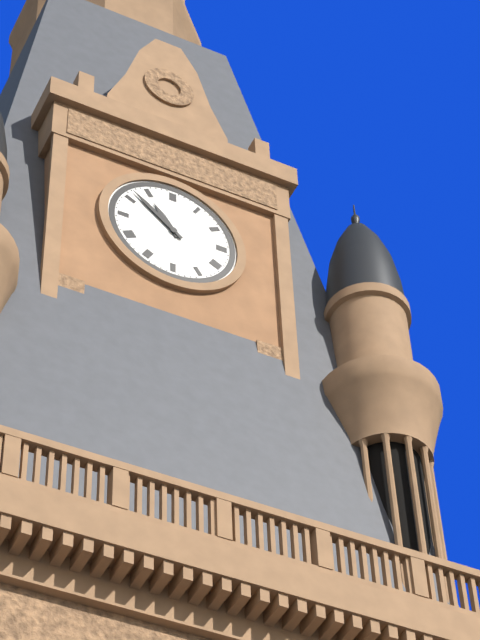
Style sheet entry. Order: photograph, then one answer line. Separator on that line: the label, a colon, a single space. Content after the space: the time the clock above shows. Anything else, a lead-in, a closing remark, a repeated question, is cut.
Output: 10:52
